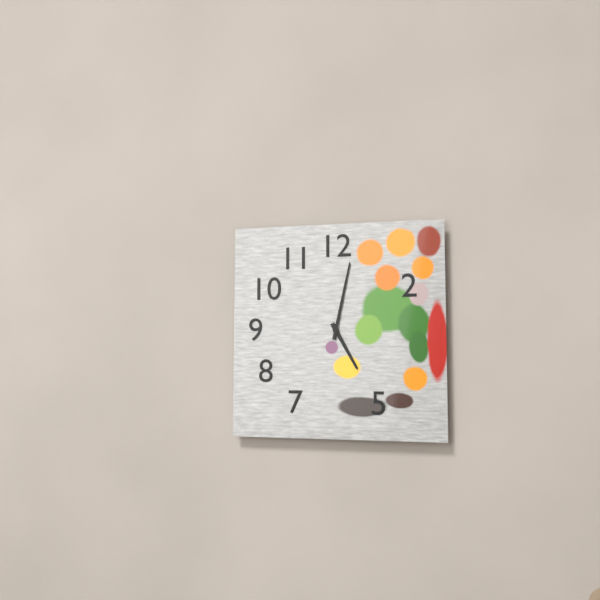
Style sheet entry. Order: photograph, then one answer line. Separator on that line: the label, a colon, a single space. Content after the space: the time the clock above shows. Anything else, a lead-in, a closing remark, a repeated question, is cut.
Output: 5:02
